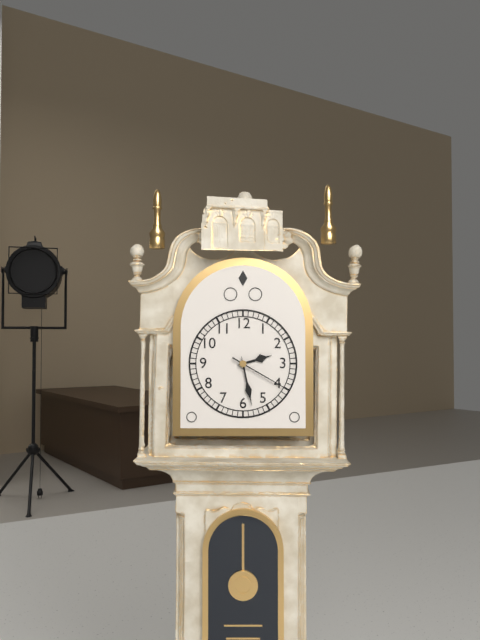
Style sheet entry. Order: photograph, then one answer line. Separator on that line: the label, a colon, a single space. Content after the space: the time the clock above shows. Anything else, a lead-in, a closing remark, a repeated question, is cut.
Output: 2:28:20
